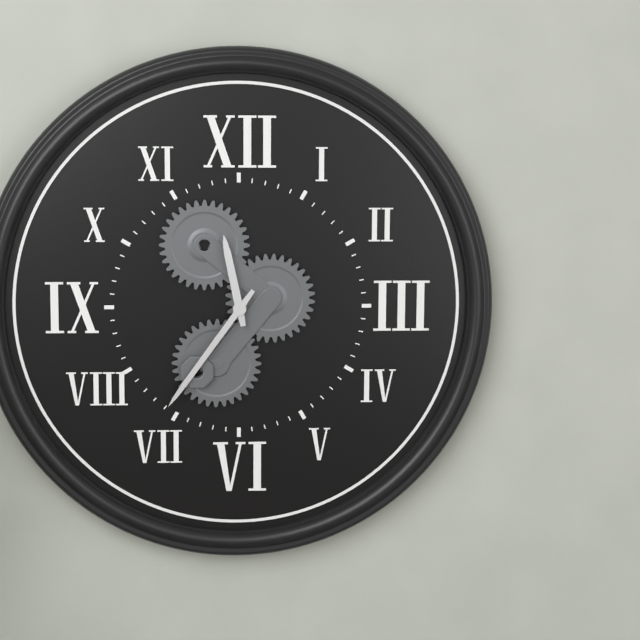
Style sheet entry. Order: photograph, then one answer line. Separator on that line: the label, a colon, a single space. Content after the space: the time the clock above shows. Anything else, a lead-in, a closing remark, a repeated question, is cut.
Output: 11:36
